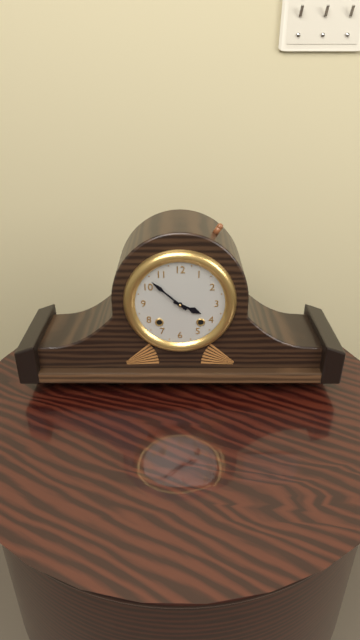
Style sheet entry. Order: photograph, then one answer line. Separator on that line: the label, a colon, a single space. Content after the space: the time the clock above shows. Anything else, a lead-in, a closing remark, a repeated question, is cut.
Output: 3:52
